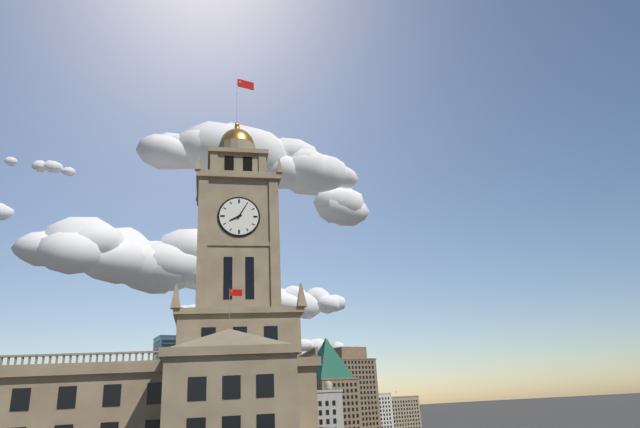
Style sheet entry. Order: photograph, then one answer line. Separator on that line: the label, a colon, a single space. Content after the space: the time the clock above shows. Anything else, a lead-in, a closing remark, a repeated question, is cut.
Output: 8:05
